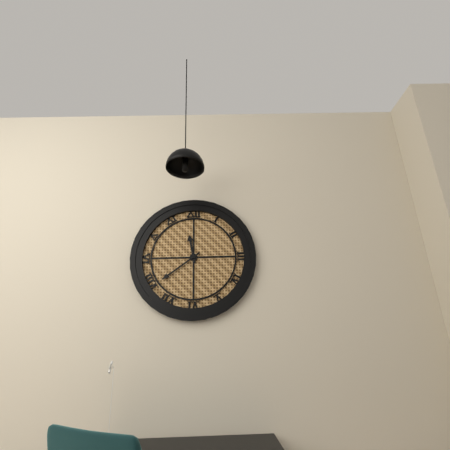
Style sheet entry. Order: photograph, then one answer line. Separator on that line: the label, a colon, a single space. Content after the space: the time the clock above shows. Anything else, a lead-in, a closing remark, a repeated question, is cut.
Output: 11:39
